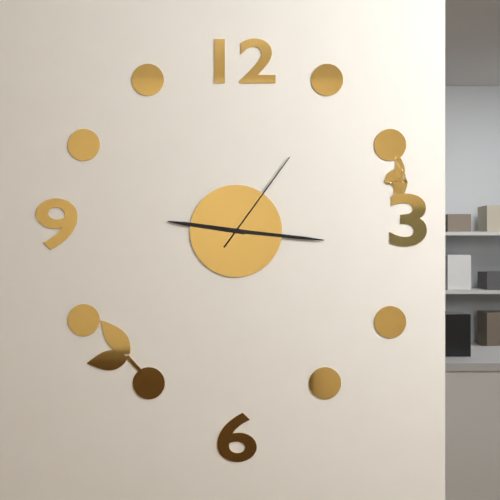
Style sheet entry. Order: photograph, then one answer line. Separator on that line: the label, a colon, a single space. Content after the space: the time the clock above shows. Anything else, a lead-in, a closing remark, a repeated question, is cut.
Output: 9:16:06
